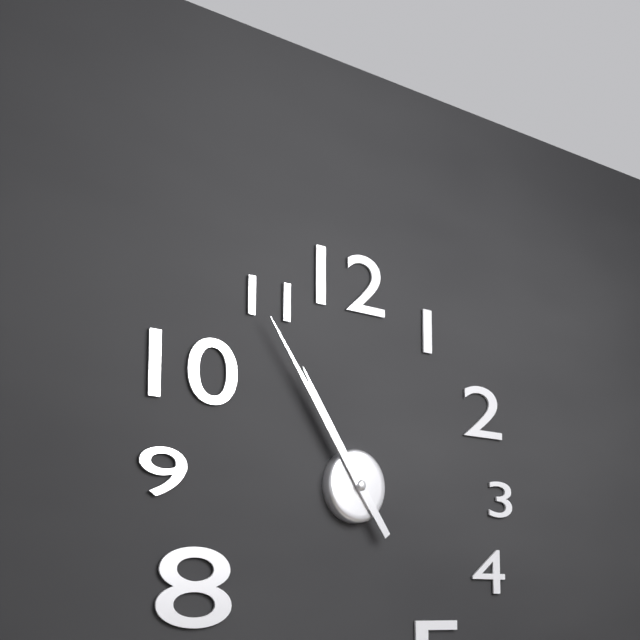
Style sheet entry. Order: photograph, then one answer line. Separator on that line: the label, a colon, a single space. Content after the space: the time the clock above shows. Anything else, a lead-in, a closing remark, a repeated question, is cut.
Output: 10:54
